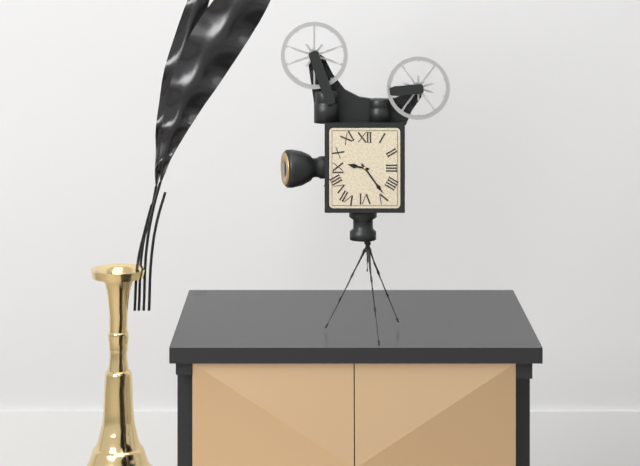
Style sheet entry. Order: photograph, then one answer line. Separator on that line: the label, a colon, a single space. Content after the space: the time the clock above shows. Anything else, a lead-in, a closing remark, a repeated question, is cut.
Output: 9:24
